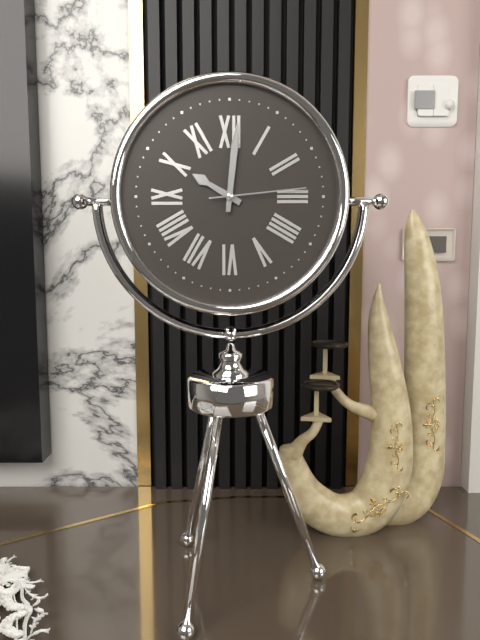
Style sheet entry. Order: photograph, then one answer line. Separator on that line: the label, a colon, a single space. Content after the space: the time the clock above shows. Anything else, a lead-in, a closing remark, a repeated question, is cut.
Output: 10:01:14
